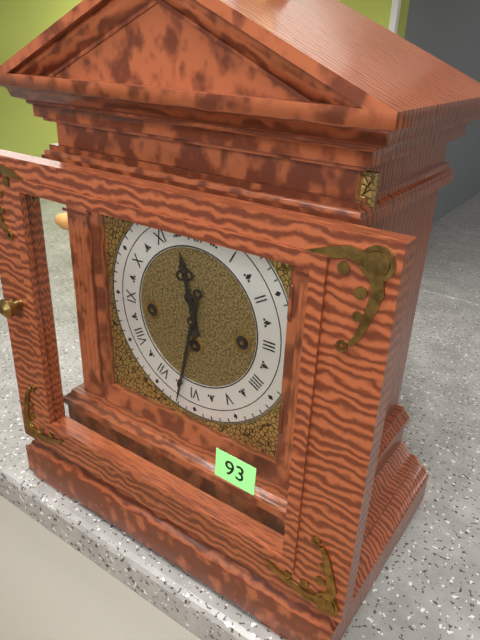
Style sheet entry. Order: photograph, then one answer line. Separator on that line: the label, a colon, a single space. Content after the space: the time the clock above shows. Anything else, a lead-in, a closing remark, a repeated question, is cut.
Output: 11:32
